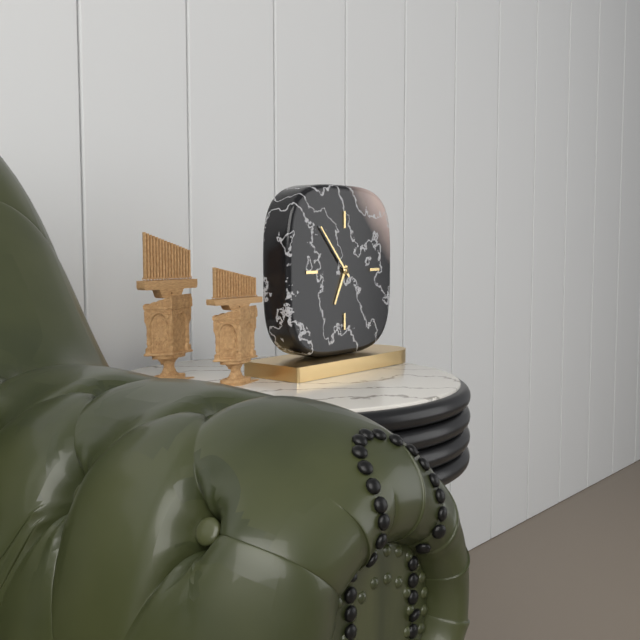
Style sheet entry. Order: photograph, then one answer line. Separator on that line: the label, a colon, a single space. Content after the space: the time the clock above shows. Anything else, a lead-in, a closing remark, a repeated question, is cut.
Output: 6:53
